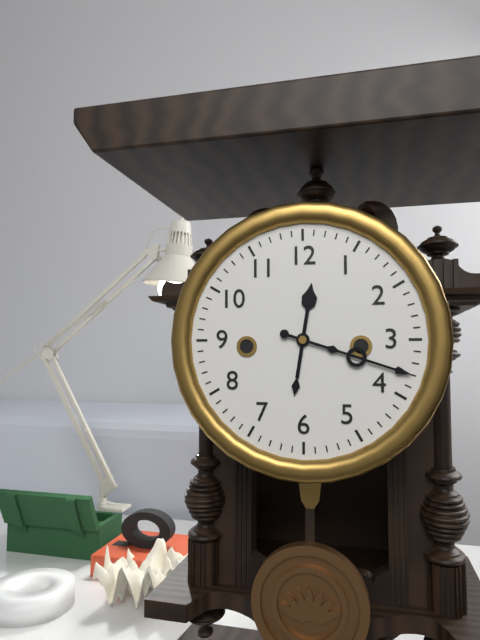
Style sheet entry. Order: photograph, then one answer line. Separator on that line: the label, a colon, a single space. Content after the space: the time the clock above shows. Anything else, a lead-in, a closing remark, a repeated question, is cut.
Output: 12:18
